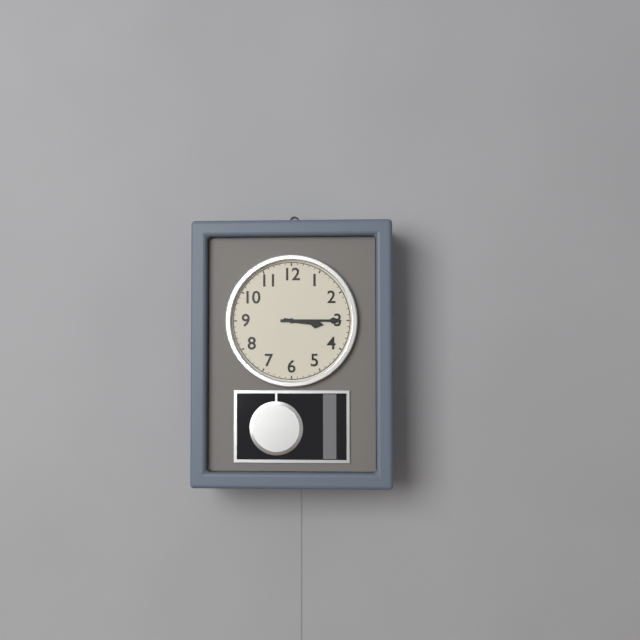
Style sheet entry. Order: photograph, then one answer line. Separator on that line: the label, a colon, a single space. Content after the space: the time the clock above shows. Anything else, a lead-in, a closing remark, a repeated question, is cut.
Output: 3:15
